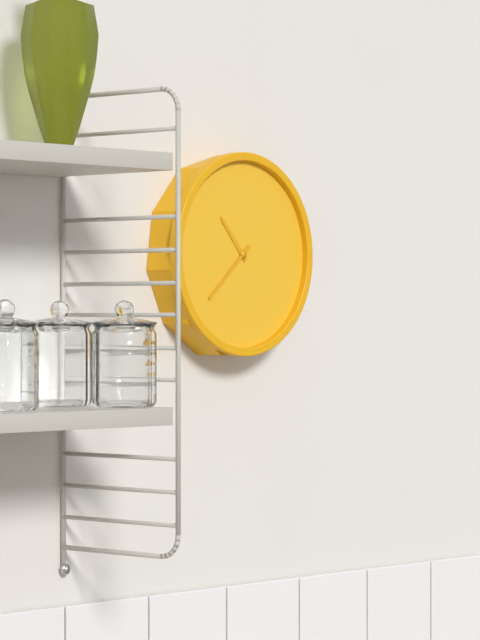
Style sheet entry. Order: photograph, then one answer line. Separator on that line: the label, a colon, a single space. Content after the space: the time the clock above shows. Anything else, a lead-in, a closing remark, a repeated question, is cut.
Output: 10:38
